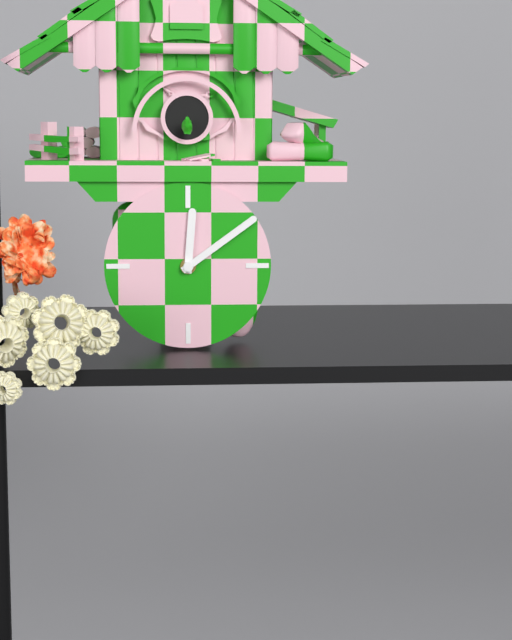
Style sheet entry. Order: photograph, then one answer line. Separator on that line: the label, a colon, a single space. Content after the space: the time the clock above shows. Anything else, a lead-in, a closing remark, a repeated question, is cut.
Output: 12:09
